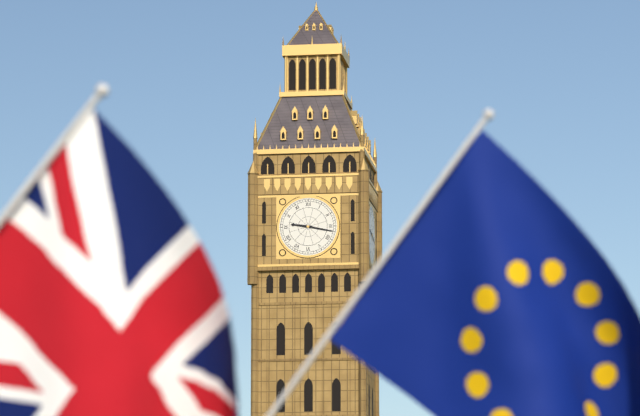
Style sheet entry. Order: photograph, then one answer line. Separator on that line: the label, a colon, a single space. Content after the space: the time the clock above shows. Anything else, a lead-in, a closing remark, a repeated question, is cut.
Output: 9:17
